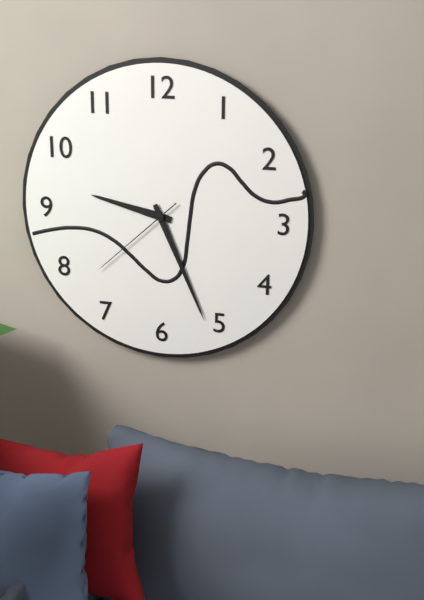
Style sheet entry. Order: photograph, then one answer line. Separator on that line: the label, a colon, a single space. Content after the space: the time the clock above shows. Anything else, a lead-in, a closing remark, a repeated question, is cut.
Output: 9:26:38
